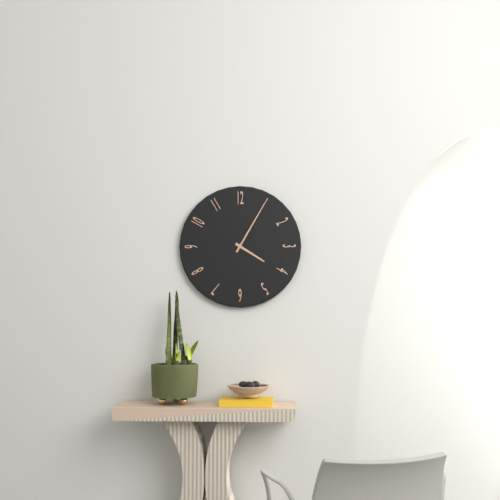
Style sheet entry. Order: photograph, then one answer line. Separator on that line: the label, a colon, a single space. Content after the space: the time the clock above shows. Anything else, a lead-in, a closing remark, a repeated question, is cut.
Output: 4:05
